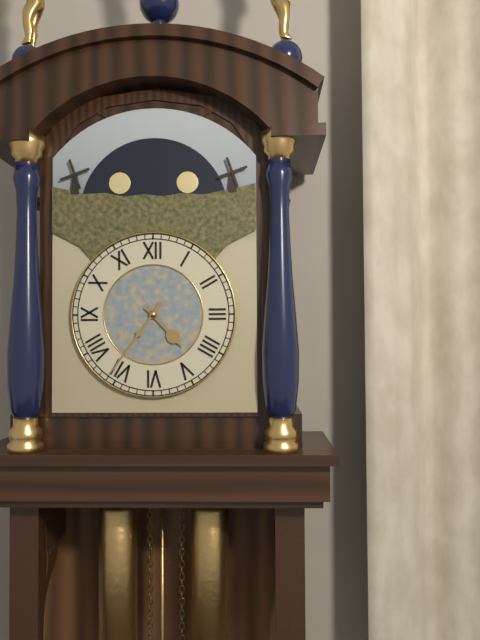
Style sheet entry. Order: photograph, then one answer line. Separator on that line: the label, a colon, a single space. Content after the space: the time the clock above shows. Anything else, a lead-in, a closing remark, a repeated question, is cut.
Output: 4:36
